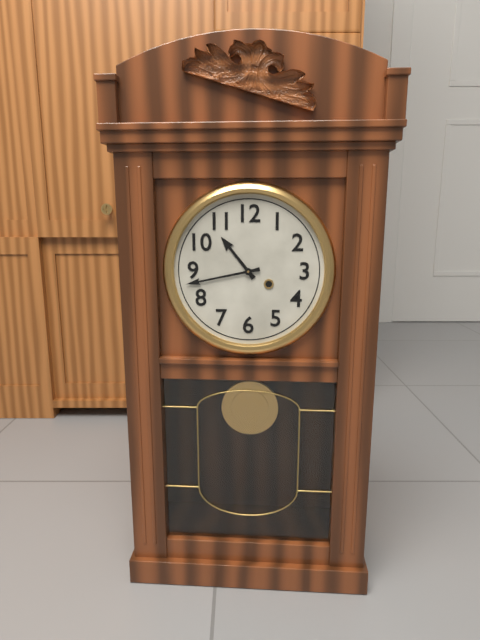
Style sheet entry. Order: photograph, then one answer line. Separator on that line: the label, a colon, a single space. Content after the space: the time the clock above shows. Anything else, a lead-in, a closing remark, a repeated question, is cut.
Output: 10:43
